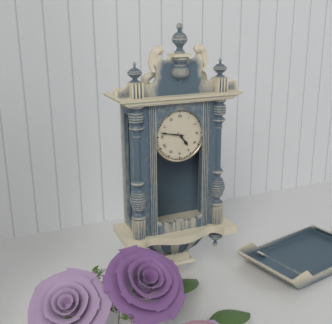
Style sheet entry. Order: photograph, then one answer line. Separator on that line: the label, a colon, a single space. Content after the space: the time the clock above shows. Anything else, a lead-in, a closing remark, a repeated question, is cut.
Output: 4:47
